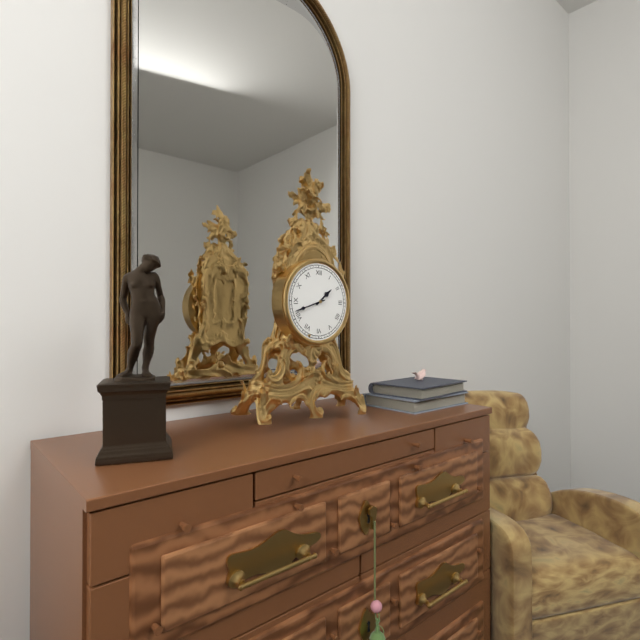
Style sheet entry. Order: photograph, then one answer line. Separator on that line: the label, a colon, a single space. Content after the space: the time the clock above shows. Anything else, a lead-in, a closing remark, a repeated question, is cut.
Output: 1:42
